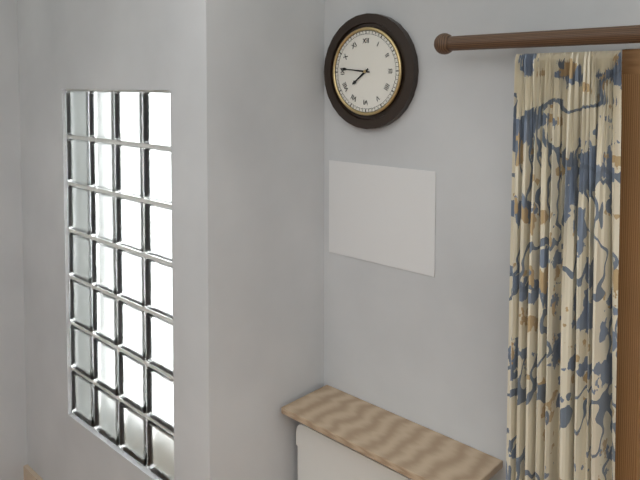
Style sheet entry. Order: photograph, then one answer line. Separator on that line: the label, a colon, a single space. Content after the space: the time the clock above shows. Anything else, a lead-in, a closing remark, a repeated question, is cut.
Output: 7:46
